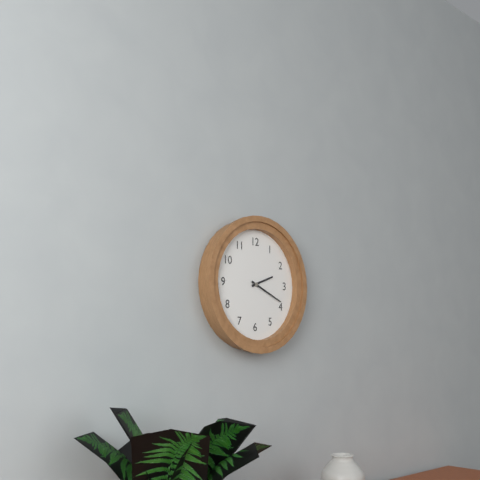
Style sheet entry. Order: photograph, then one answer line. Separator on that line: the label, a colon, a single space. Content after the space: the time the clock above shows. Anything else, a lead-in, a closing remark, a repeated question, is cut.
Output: 2:19
